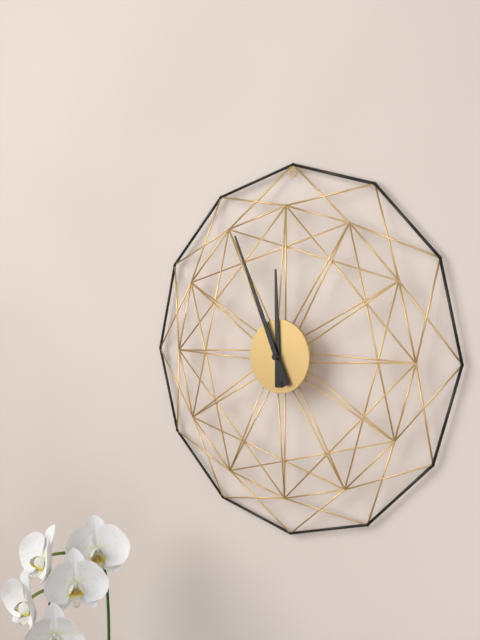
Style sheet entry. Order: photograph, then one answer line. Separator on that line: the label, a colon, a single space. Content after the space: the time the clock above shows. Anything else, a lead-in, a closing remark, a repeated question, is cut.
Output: 11:56
